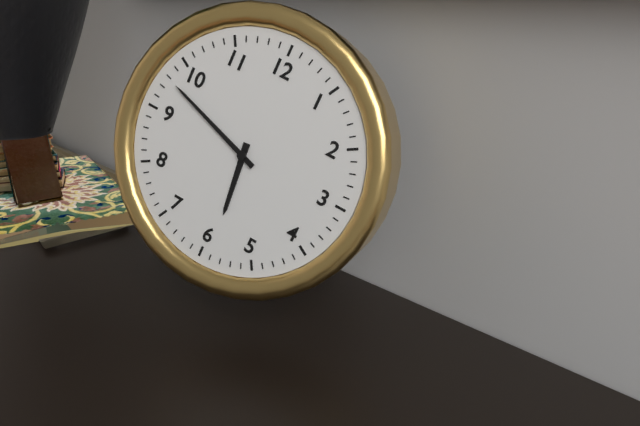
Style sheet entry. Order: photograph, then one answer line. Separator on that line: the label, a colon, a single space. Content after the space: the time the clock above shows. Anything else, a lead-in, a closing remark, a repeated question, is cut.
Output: 5:48
